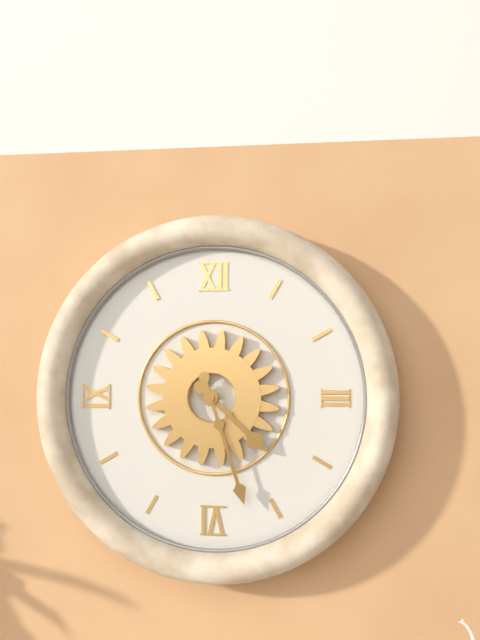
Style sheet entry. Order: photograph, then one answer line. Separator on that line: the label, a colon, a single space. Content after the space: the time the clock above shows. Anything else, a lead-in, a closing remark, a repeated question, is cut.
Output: 4:27
